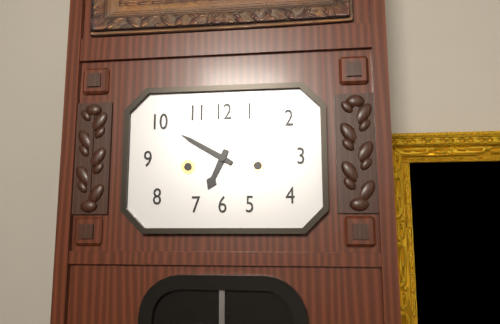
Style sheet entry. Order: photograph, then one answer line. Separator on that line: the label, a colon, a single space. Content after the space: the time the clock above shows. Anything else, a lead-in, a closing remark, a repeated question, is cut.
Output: 6:50
